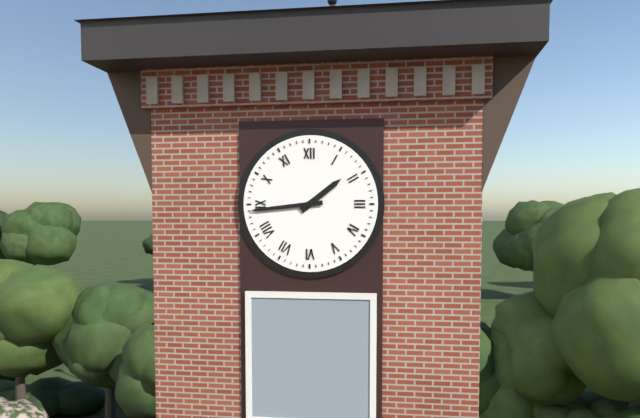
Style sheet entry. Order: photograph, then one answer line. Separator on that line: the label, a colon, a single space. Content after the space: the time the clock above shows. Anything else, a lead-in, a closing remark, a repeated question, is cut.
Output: 1:44
